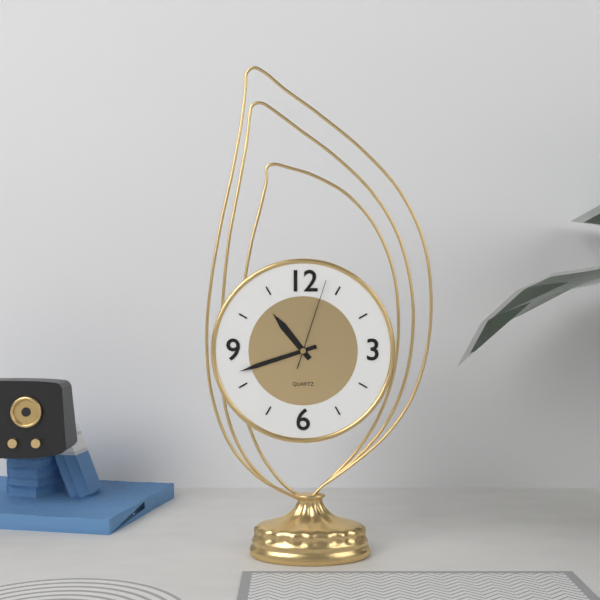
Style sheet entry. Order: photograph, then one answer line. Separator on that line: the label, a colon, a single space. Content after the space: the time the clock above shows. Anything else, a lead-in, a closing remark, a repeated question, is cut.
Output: 10:42:03
